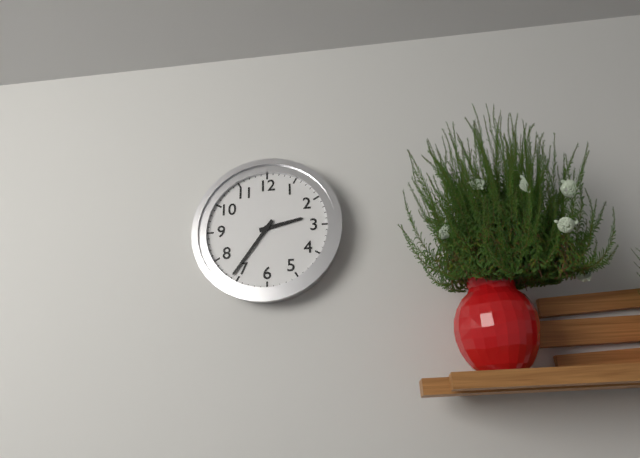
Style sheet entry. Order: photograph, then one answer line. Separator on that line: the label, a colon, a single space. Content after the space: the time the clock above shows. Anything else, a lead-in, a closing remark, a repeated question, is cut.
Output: 2:36
